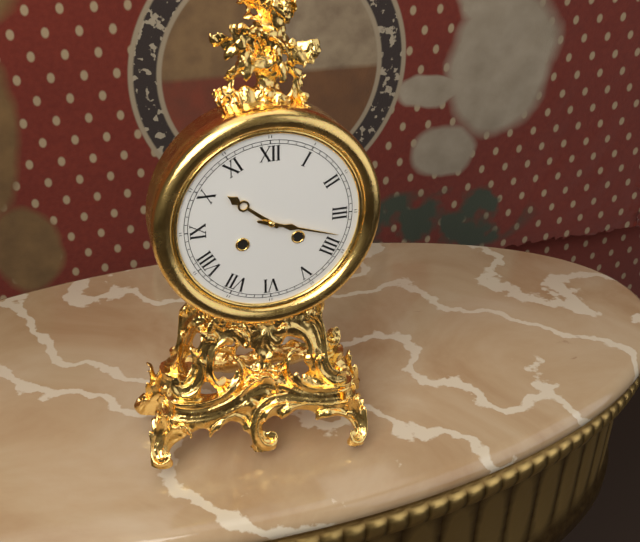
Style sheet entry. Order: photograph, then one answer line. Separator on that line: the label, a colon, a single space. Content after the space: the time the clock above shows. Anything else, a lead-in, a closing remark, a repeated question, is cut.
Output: 10:18
